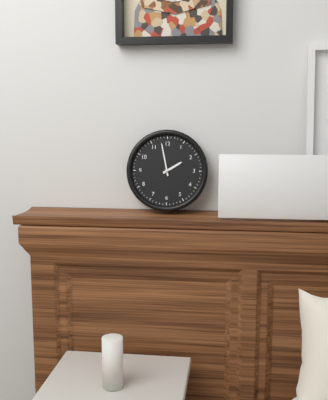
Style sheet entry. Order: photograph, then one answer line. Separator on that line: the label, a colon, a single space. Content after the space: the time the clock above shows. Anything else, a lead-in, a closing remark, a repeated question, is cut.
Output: 1:58
